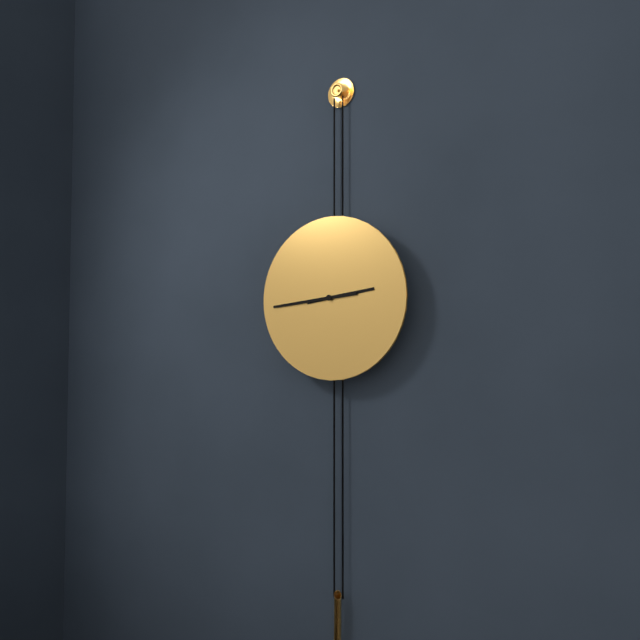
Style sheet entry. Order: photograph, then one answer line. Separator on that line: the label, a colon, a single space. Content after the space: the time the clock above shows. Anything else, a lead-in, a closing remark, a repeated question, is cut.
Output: 2:44
